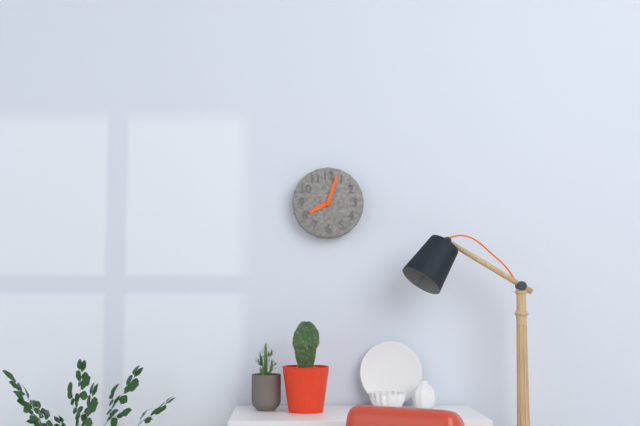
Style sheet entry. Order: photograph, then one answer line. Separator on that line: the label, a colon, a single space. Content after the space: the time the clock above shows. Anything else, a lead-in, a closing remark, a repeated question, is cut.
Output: 8:03
